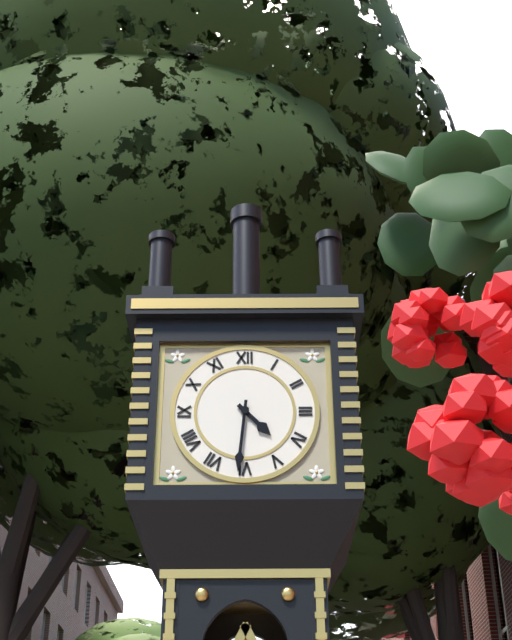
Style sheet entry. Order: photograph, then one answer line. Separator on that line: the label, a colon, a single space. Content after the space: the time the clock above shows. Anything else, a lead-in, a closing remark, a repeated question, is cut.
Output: 4:31
